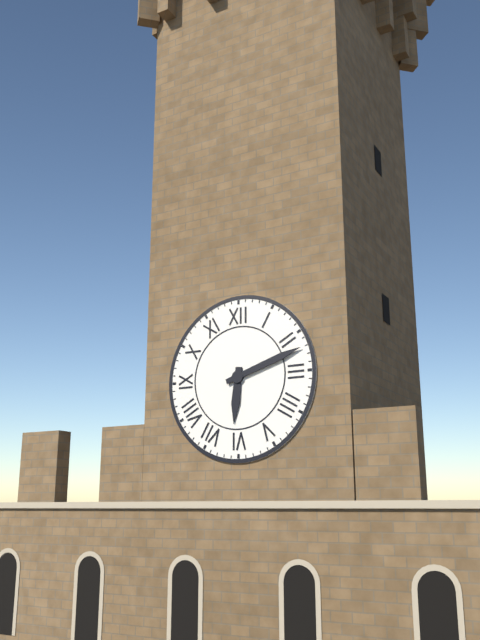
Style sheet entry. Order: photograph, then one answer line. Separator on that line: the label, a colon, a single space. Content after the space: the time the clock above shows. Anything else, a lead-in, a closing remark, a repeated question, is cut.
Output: 6:12
